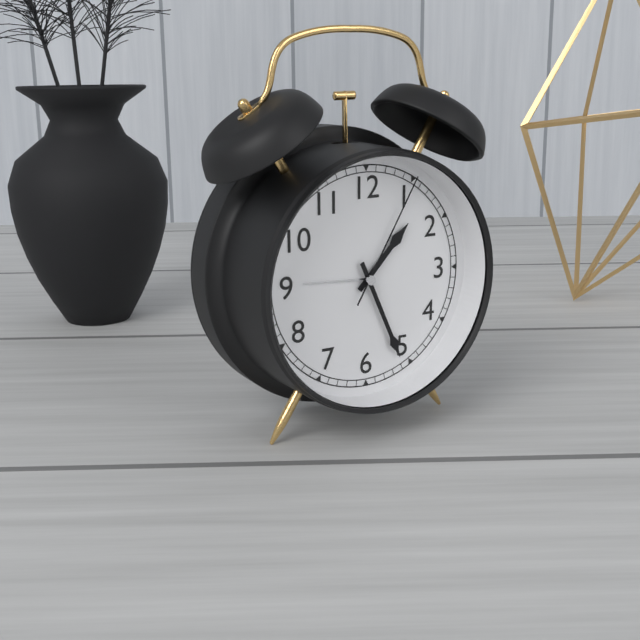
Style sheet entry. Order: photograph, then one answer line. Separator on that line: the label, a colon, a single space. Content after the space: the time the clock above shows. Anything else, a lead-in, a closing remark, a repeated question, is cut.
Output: 1:26:05
